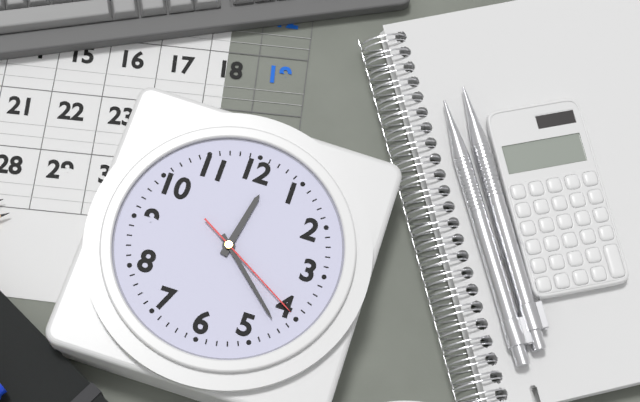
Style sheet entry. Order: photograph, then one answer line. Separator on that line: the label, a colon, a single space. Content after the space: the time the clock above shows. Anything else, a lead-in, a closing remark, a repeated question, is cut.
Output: 12:22:20
